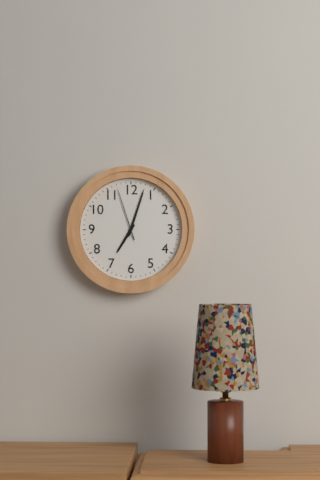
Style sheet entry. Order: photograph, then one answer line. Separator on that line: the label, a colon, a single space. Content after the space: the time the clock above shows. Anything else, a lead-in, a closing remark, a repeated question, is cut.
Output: 7:03:57
